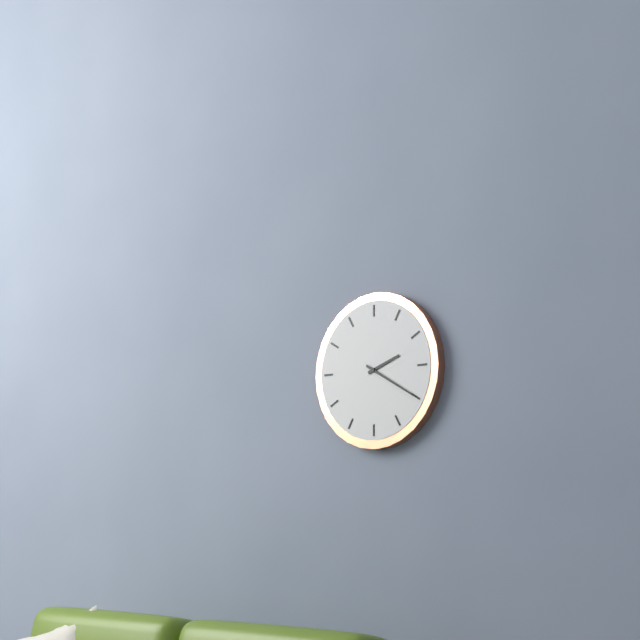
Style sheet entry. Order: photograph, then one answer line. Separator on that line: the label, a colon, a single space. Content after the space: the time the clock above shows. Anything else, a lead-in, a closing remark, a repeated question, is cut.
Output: 2:20
